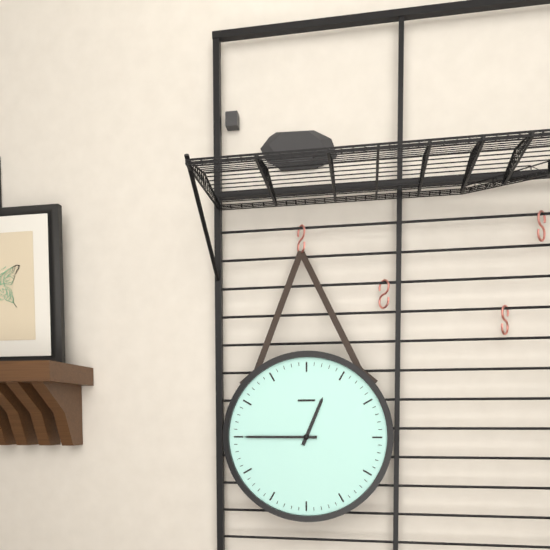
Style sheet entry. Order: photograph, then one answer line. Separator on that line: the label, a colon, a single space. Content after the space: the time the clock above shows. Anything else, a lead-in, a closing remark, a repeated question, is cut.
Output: 12:45
